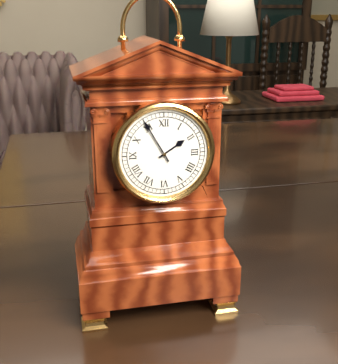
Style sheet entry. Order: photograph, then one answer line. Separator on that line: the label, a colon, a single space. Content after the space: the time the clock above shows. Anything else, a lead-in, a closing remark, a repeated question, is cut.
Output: 1:55
